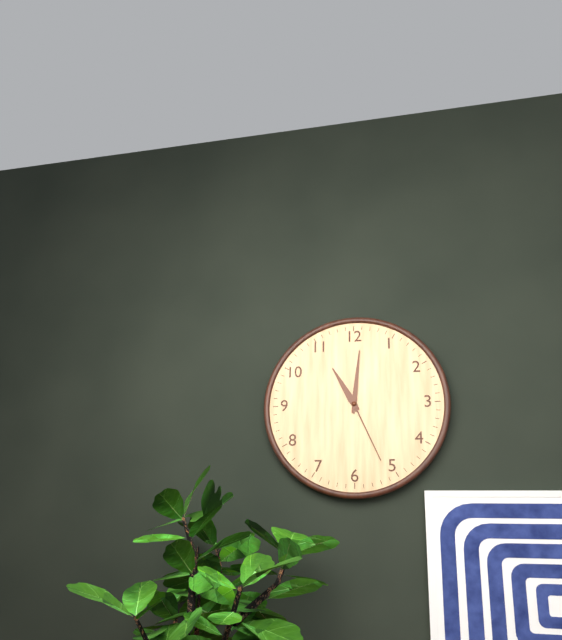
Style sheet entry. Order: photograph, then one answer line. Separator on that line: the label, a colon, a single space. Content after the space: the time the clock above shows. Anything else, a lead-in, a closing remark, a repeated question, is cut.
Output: 11:01:26
